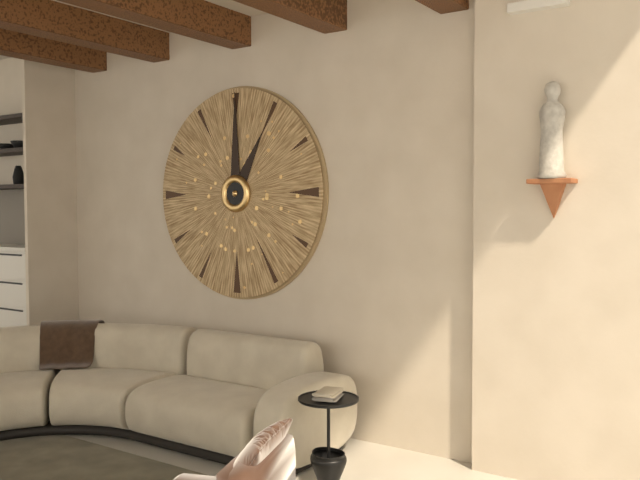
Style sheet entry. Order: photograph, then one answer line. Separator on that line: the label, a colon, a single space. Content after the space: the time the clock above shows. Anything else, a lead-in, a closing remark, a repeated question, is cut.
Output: 1:00
